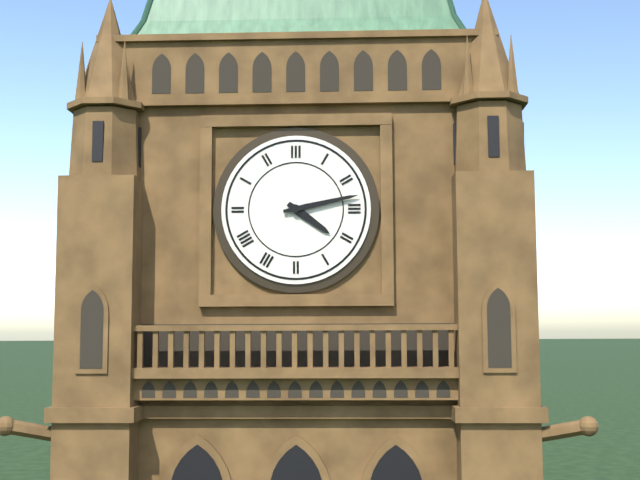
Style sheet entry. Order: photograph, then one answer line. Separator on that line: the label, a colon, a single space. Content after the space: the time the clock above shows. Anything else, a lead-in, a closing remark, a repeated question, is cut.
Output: 4:13
